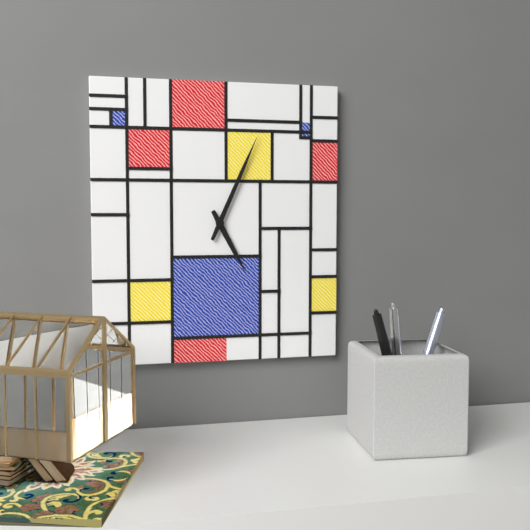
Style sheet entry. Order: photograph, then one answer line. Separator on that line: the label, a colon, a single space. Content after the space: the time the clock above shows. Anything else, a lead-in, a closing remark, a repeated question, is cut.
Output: 5:04
